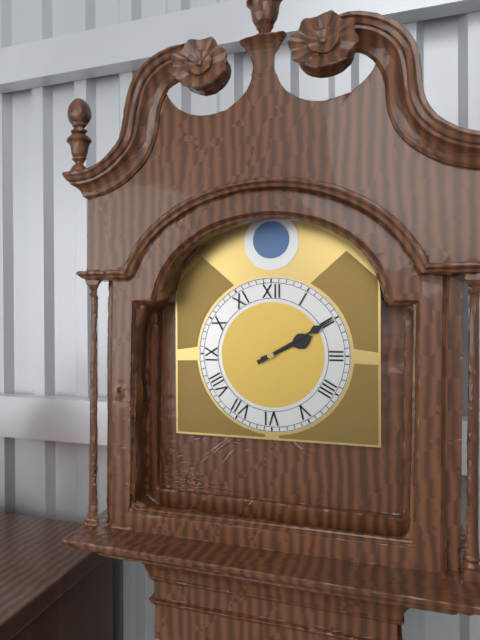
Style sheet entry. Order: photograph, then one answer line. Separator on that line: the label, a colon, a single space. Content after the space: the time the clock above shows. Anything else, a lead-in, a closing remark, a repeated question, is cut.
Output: 2:10
